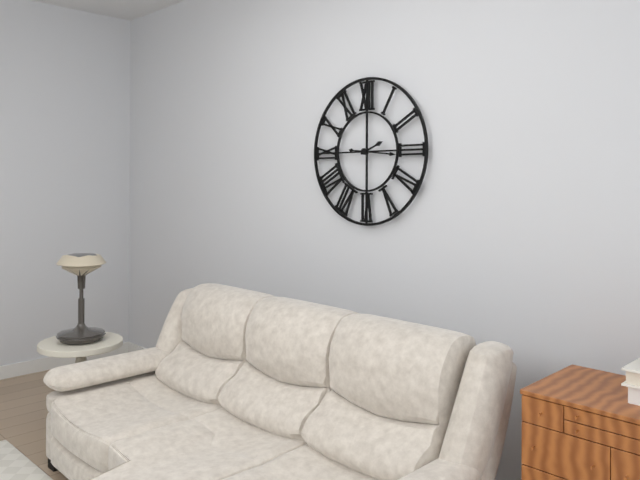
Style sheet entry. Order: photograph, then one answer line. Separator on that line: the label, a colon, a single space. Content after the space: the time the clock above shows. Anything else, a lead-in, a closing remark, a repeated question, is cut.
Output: 2:16
